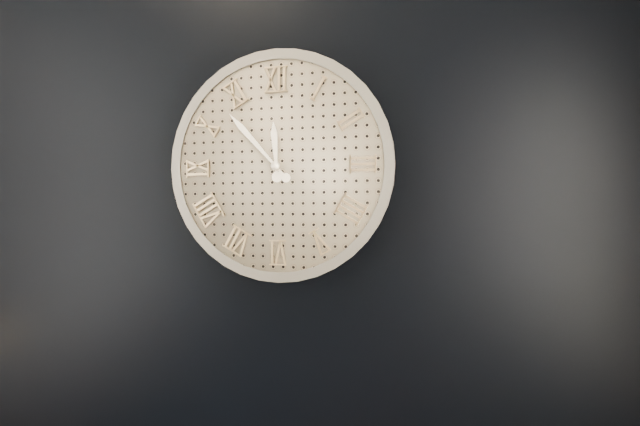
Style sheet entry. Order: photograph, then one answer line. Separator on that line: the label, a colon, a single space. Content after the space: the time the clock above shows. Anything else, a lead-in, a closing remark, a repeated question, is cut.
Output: 11:53
